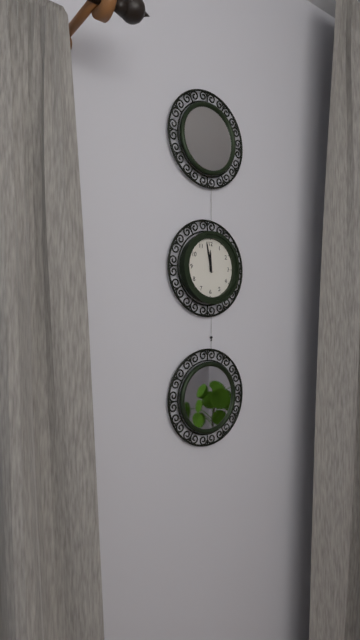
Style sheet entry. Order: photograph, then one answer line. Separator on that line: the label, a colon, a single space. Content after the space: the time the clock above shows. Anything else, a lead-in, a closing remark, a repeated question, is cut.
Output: 11:58
